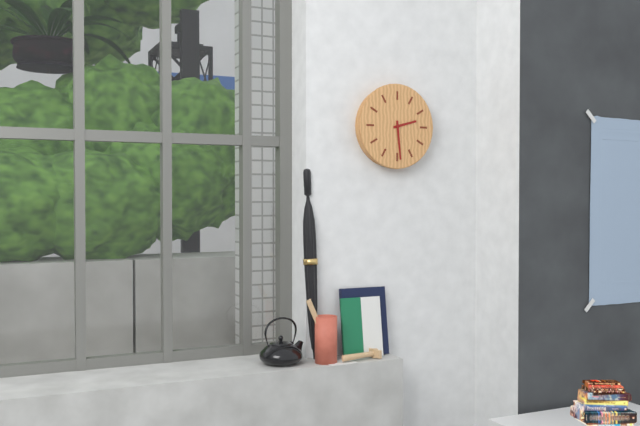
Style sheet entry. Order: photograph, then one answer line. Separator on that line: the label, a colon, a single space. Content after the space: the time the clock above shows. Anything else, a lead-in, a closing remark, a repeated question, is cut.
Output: 2:29
